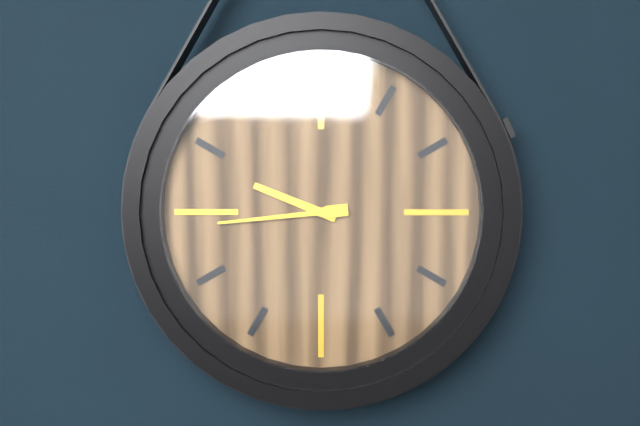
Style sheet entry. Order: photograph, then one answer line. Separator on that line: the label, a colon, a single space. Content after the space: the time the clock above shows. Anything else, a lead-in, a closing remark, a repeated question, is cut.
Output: 9:44
